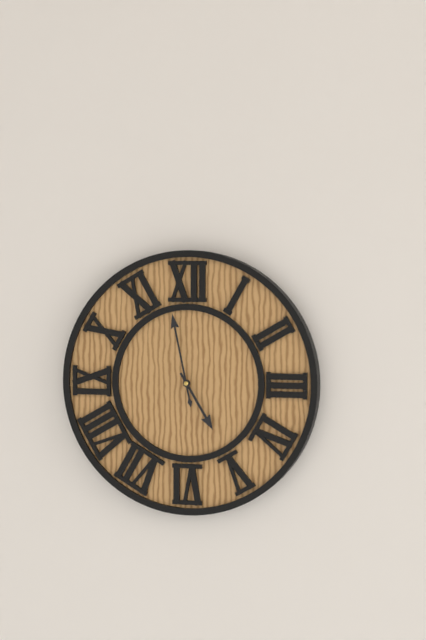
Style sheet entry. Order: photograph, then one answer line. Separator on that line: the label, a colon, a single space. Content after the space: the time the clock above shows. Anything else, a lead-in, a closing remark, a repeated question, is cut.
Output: 4:58
